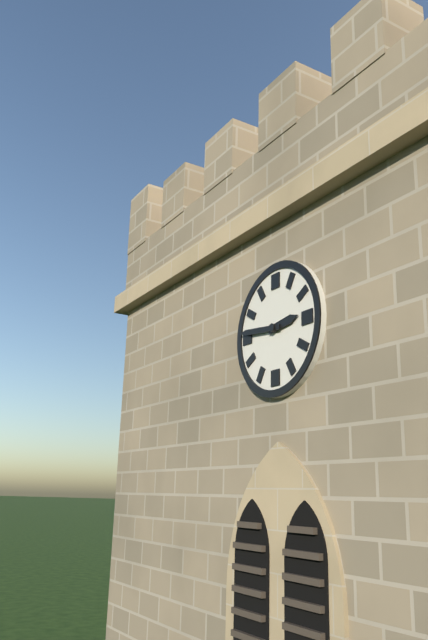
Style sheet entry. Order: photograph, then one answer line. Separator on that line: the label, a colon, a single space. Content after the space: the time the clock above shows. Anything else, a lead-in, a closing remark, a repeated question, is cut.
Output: 2:46
